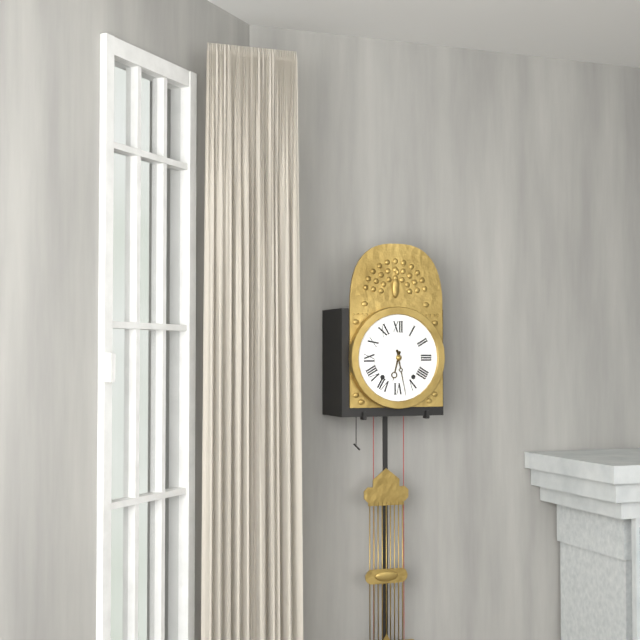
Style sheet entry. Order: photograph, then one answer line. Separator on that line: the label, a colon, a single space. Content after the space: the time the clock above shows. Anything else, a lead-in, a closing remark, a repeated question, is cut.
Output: 6:28
